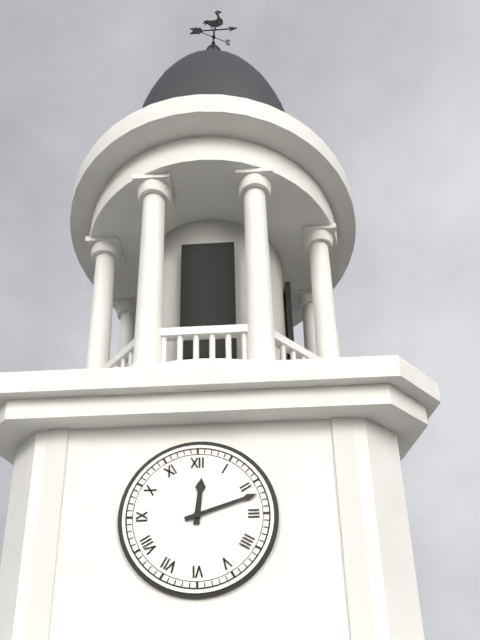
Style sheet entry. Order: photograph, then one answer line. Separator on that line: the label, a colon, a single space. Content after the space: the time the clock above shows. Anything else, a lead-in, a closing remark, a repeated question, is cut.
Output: 12:12
